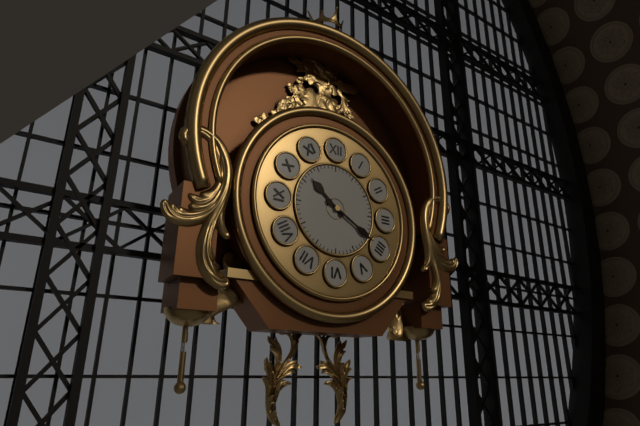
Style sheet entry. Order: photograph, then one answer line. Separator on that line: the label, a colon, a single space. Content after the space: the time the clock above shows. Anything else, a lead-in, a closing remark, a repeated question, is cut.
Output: 10:20
